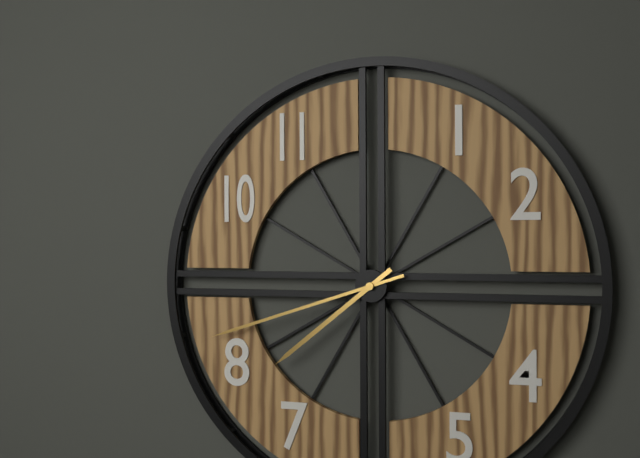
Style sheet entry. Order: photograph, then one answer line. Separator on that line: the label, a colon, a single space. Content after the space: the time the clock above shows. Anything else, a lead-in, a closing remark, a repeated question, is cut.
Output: 7:42
